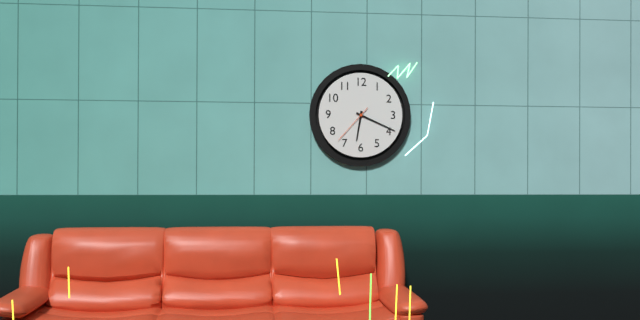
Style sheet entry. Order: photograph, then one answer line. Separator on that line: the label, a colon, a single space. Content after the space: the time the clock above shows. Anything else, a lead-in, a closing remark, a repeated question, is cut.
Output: 6:19
